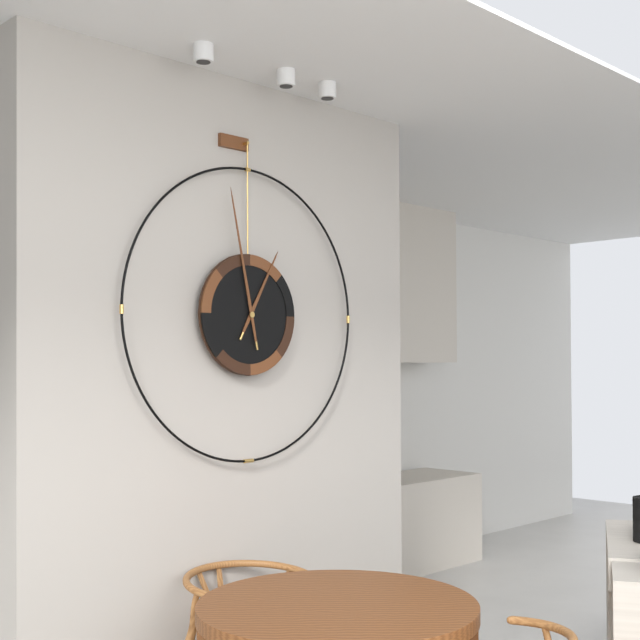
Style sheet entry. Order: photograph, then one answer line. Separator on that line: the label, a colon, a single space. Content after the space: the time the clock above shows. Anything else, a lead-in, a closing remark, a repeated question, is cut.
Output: 12:58
